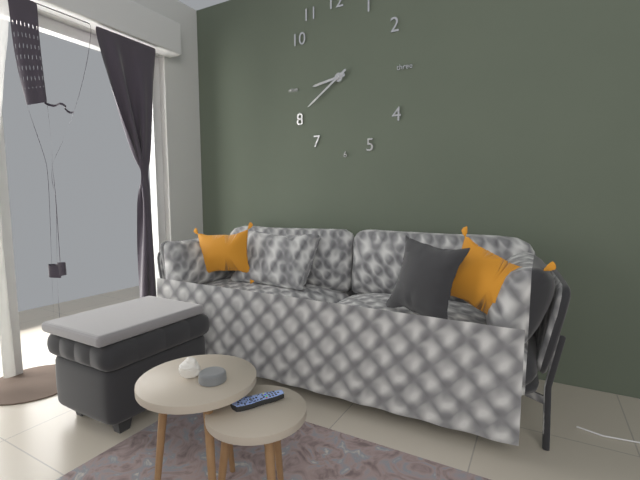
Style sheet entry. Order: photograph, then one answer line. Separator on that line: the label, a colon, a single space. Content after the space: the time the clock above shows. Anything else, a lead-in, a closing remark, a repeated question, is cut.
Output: 8:39
